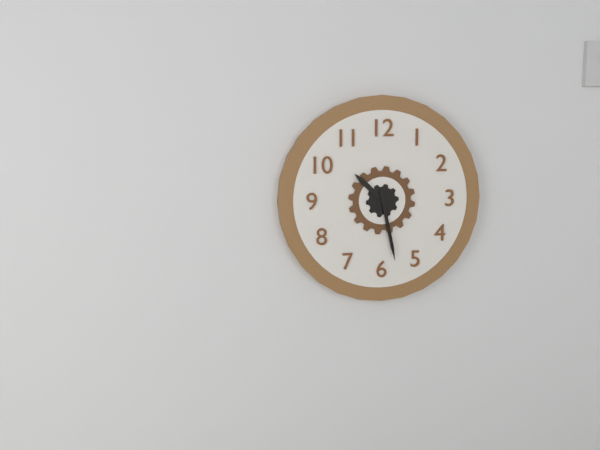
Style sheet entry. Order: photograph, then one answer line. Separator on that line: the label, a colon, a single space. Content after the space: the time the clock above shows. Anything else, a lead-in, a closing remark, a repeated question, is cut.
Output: 10:28
